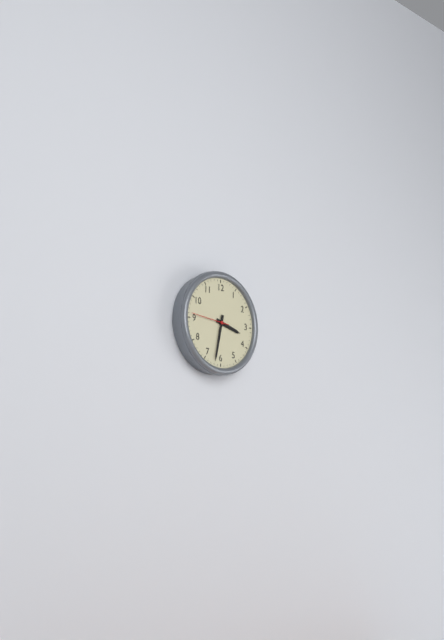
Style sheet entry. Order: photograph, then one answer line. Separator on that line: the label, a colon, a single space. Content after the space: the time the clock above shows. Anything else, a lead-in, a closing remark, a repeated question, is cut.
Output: 3:32
